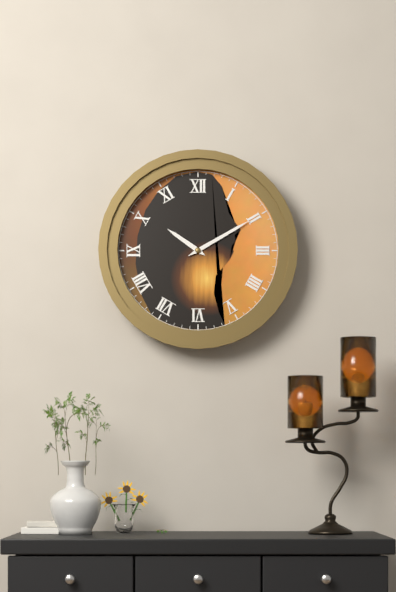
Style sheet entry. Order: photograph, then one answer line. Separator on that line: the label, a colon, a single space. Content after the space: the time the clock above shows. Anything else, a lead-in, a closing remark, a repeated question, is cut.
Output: 10:10
